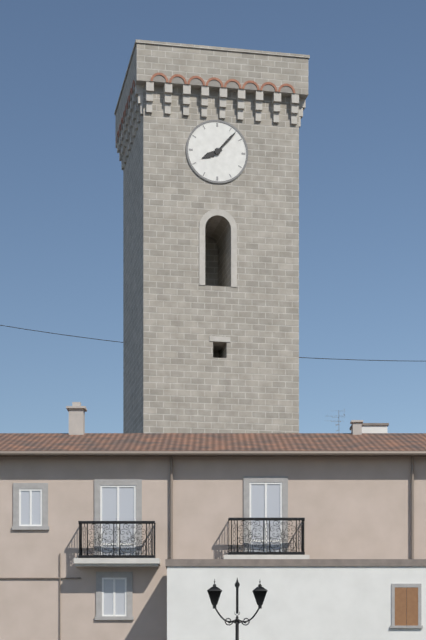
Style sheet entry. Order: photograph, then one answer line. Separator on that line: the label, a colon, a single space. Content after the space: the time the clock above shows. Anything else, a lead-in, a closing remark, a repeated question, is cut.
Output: 8:07
